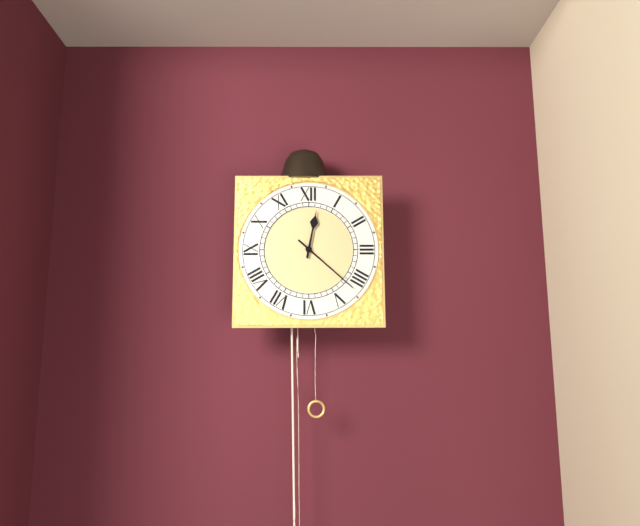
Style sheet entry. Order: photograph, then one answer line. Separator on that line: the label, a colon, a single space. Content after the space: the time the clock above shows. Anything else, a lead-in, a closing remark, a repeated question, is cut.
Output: 12:22
